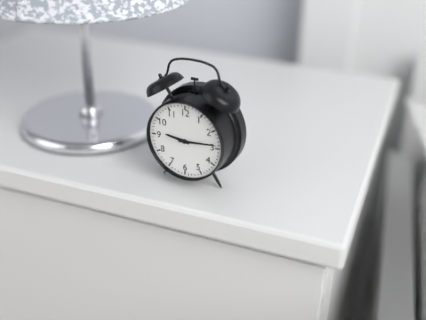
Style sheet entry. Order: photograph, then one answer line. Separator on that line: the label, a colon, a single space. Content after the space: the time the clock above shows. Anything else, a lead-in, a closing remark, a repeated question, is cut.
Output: 9:14
